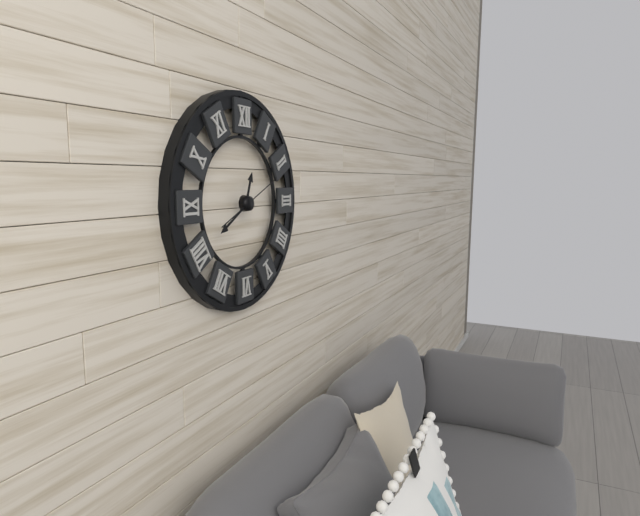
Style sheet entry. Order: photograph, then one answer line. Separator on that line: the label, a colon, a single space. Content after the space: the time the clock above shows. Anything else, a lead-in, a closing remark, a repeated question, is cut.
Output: 12:40:11
